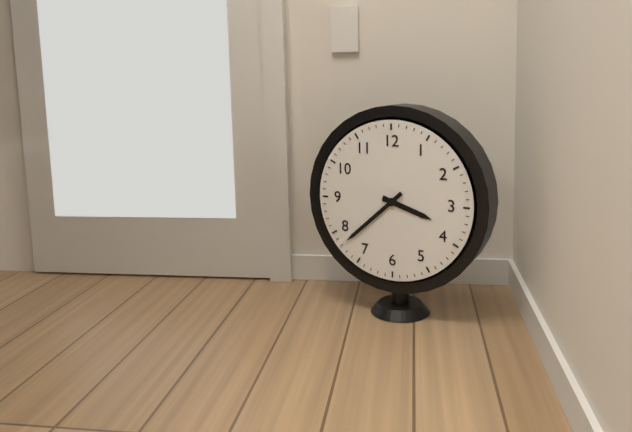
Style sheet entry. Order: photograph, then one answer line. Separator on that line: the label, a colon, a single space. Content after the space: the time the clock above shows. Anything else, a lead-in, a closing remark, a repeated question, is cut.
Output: 3:38
